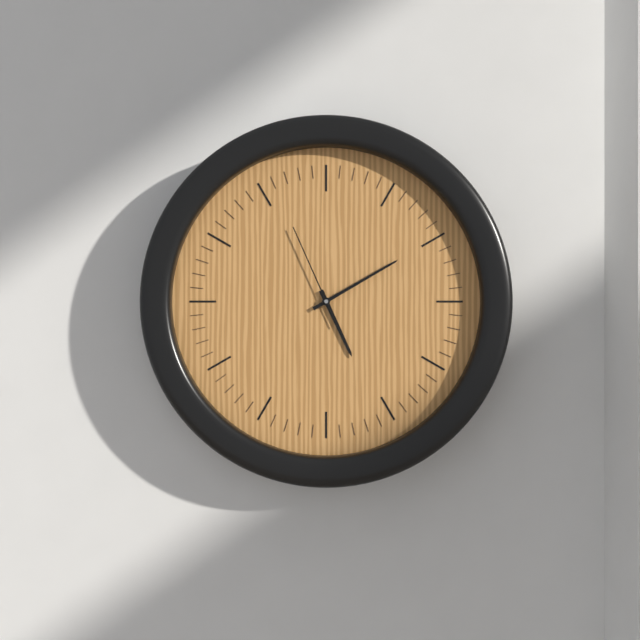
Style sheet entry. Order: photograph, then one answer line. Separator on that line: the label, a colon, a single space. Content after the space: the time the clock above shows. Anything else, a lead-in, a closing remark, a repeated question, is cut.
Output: 5:10:56
